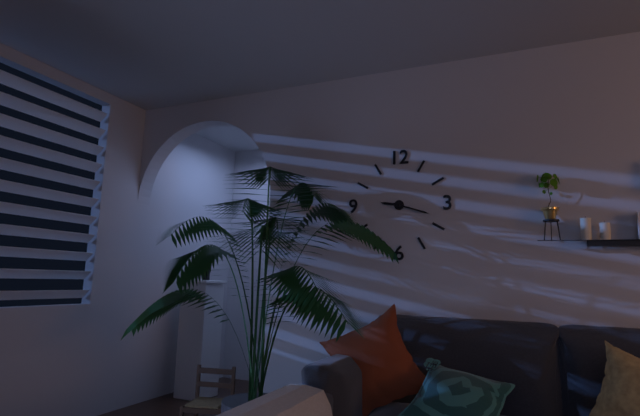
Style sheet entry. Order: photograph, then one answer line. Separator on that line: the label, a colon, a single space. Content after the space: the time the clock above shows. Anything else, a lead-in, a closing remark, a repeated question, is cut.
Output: 9:18
